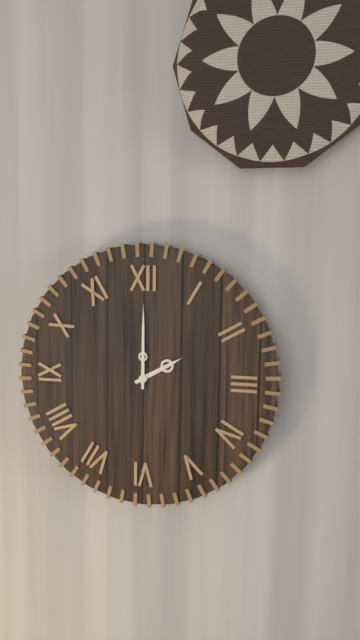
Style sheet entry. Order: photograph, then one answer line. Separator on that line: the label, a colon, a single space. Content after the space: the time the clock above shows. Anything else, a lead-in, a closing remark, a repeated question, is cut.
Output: 2:00
